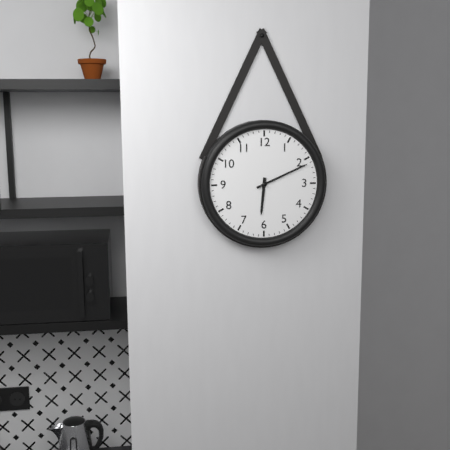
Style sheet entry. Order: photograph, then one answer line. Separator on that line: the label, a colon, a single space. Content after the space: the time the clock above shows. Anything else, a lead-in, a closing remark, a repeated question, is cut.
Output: 6:11
